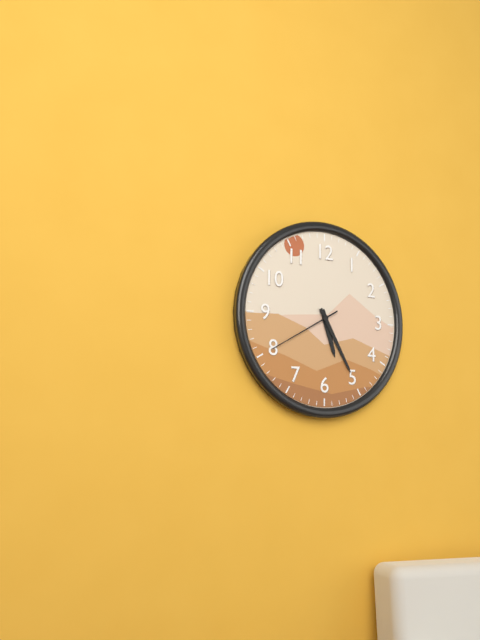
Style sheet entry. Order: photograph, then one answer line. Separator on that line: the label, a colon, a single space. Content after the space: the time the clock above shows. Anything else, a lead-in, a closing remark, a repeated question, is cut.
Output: 5:25:40
